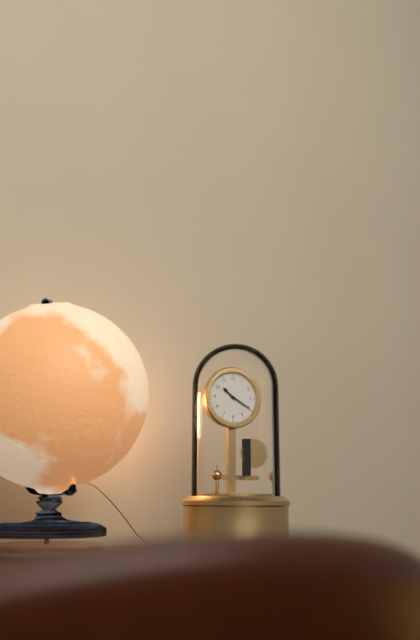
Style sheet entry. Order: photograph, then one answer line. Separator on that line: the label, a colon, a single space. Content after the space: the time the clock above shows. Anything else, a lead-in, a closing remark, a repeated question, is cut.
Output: 10:20
